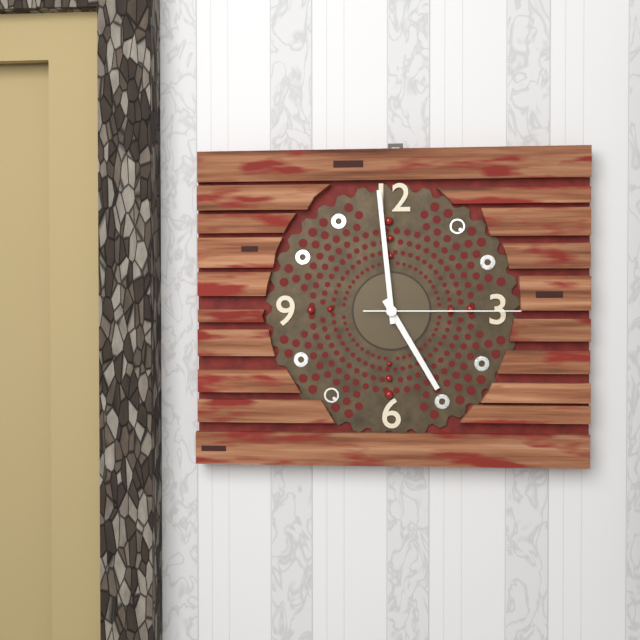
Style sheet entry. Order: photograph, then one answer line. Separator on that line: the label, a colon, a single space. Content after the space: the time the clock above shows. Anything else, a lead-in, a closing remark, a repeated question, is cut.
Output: 4:59:15
